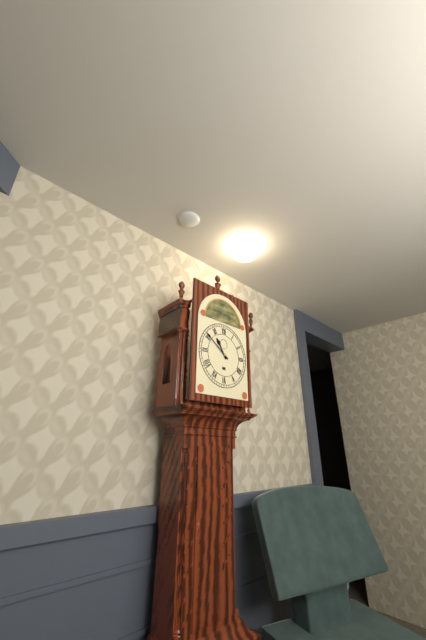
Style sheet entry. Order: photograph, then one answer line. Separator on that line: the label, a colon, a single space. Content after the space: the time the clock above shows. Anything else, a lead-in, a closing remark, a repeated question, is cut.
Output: 10:51
